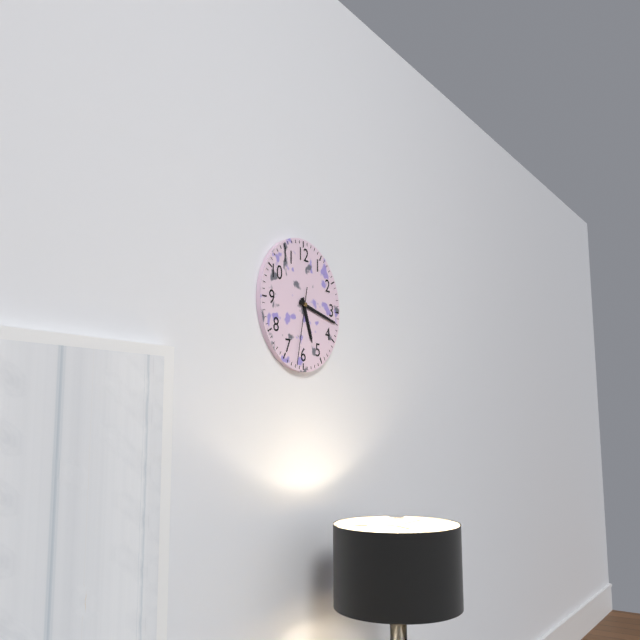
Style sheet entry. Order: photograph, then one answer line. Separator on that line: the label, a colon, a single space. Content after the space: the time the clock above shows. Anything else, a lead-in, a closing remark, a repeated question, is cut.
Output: 5:17:32
